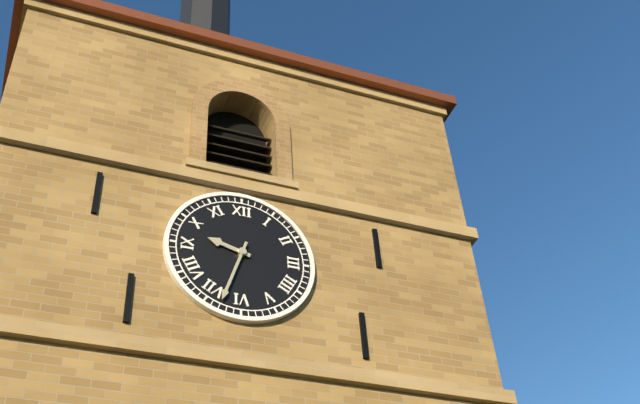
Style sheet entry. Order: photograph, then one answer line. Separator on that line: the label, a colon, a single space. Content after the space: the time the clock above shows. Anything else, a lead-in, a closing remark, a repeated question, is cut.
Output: 9:33
